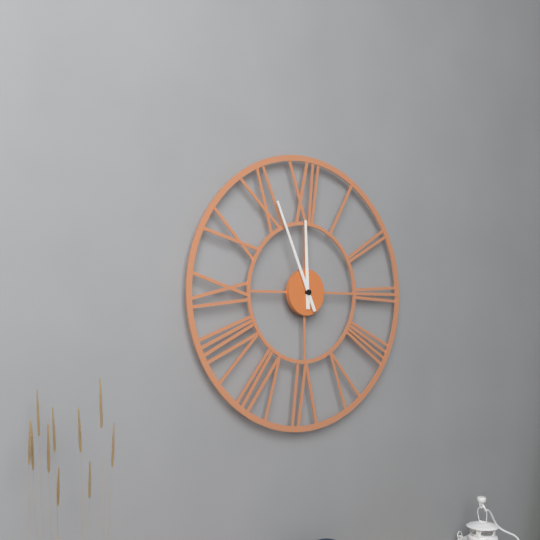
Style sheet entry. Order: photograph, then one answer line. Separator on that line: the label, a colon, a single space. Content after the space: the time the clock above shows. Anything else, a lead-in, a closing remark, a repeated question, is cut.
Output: 11:56
